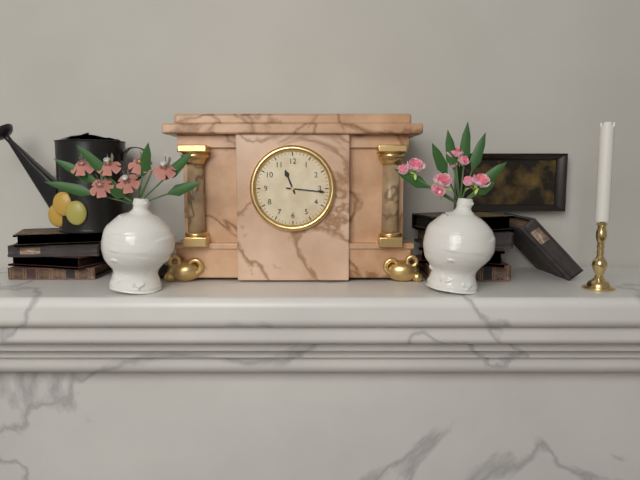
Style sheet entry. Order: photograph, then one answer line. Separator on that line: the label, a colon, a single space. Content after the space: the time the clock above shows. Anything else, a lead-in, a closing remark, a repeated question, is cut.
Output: 11:16
